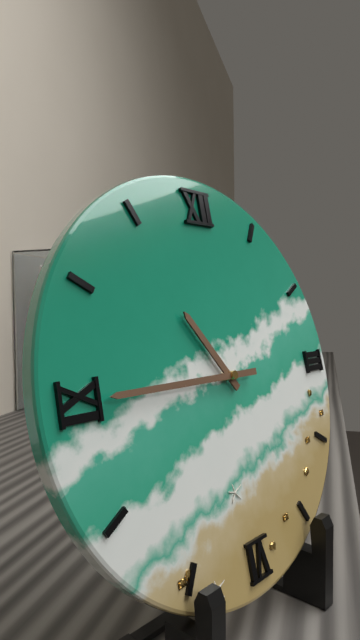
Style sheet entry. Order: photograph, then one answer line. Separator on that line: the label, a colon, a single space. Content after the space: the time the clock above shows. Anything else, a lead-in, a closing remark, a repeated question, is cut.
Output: 10:45
